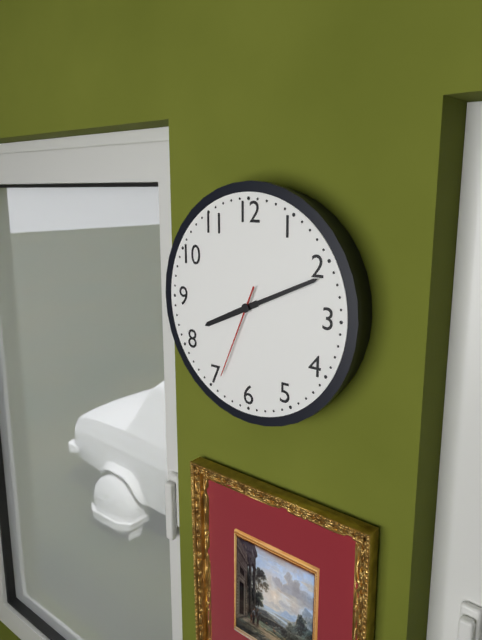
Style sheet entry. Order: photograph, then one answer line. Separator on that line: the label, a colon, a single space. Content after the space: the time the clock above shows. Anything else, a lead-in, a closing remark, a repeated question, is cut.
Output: 8:11:34
